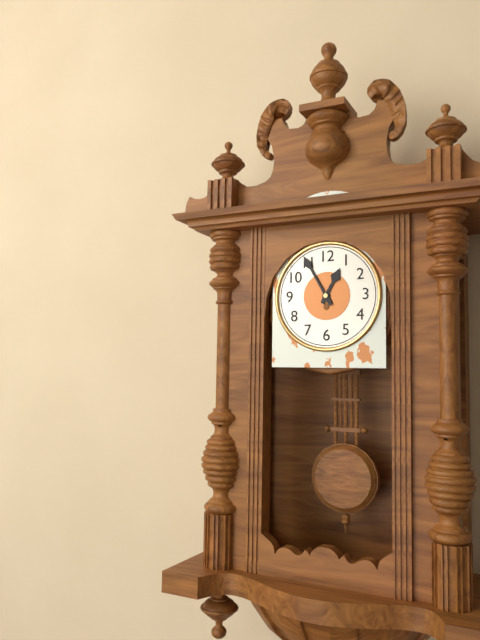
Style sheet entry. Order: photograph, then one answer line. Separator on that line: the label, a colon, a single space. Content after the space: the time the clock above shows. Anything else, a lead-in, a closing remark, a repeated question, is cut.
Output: 12:55
